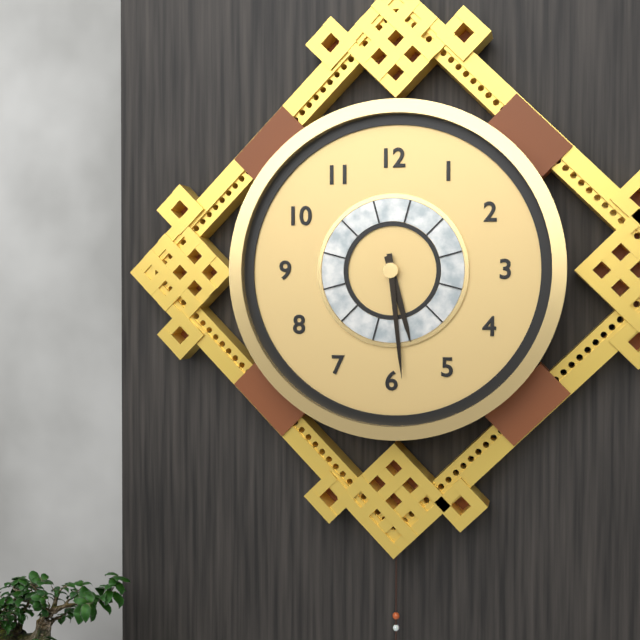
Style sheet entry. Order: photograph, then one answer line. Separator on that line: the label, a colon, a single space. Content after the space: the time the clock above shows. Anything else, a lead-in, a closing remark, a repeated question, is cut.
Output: 5:29
